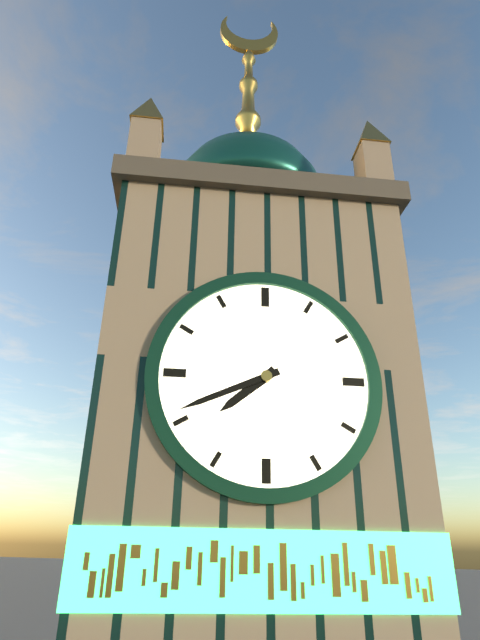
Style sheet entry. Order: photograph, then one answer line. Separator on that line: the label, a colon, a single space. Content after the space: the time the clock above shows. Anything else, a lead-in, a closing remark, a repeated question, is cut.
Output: 7:41
